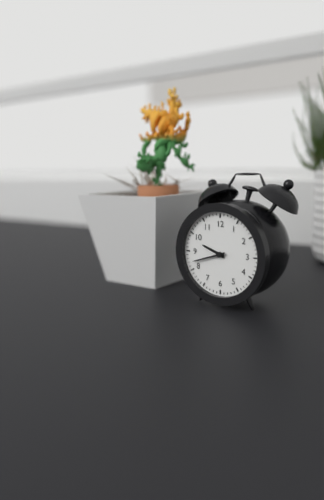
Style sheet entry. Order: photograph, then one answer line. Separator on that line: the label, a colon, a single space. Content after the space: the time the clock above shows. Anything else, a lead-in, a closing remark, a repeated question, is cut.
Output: 9:42
